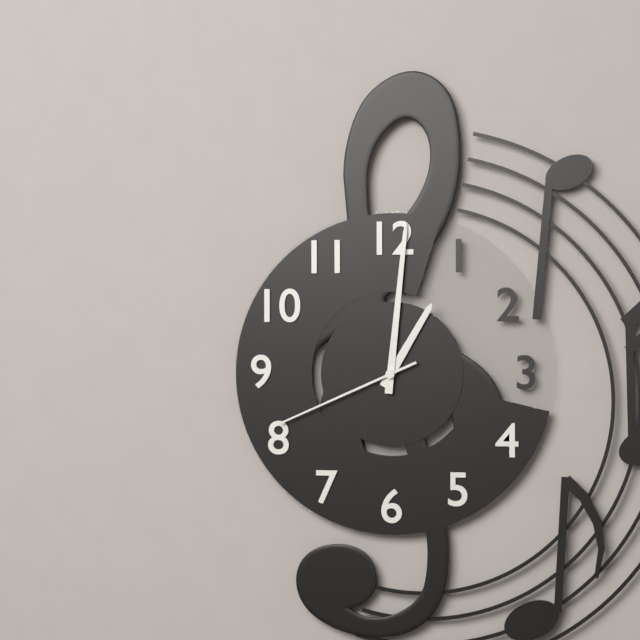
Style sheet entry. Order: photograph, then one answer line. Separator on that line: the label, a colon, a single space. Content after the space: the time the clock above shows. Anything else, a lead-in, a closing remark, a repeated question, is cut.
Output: 1:01:41
